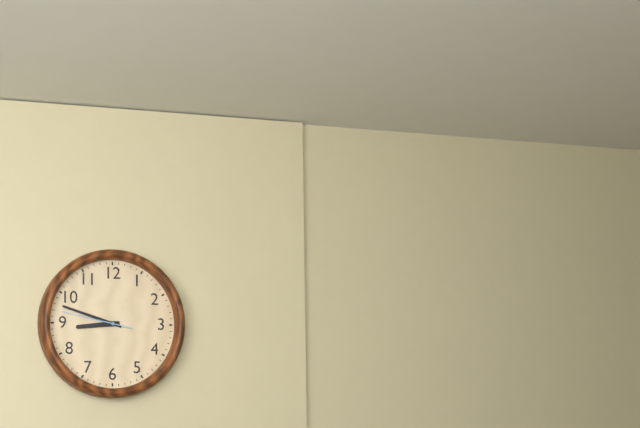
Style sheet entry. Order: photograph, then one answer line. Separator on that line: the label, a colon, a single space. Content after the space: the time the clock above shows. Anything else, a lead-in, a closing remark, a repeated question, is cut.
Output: 8:48:47
